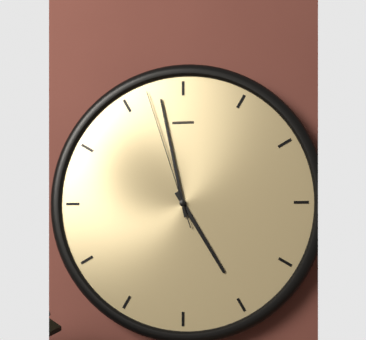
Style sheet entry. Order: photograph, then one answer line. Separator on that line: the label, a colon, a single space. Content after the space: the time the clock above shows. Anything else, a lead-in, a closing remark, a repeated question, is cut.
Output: 4:58:57
